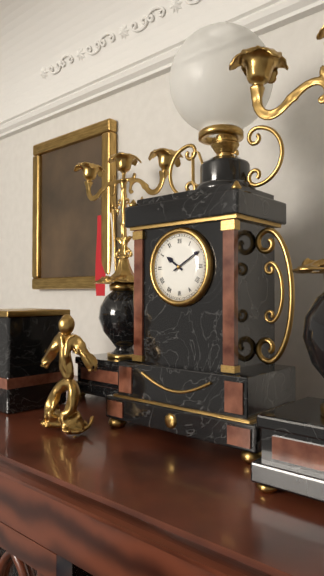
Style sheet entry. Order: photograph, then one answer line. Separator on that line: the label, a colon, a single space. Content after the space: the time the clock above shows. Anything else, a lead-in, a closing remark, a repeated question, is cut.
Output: 10:10
